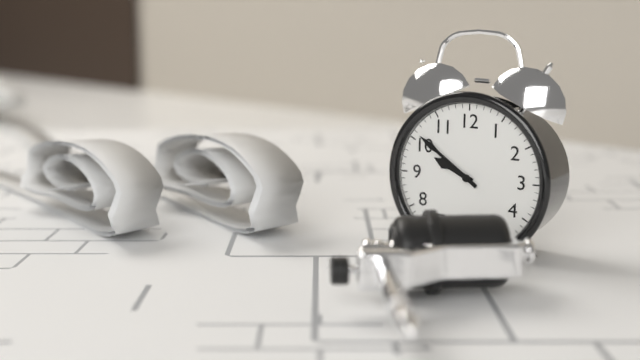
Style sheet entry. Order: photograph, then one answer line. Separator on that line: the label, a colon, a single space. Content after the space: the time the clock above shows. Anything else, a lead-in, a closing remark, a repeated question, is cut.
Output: 9:51
